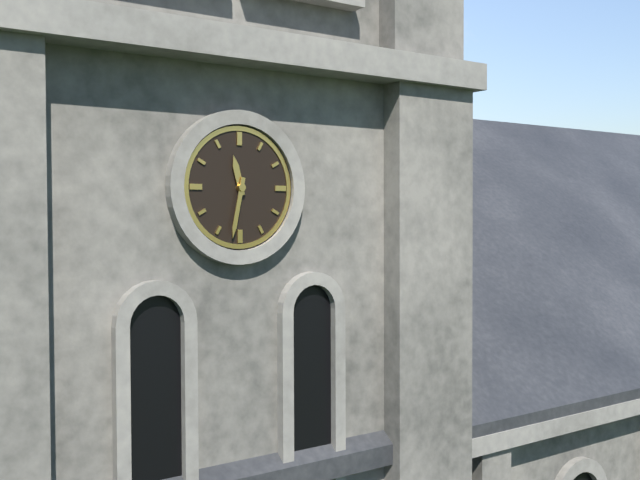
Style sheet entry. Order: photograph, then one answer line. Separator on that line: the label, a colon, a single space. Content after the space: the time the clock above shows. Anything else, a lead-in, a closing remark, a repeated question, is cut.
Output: 11:32
